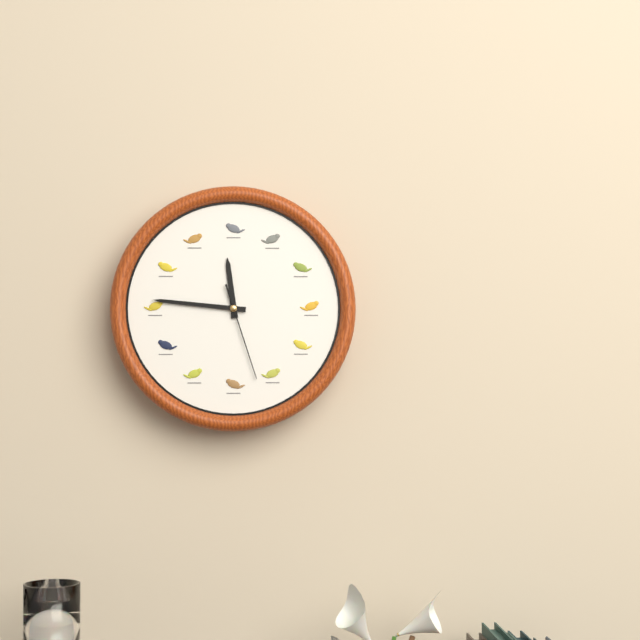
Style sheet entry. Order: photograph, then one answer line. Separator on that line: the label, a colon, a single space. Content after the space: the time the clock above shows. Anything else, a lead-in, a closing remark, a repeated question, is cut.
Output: 11:46:27
